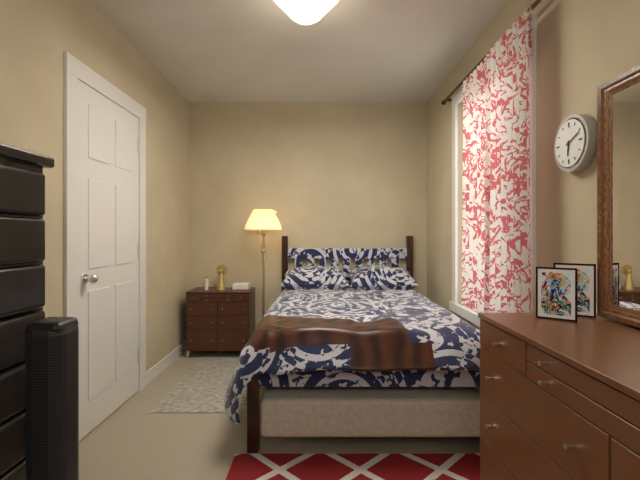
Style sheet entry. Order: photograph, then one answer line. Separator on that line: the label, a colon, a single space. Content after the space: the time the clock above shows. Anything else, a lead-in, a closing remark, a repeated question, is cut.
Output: 6:11
